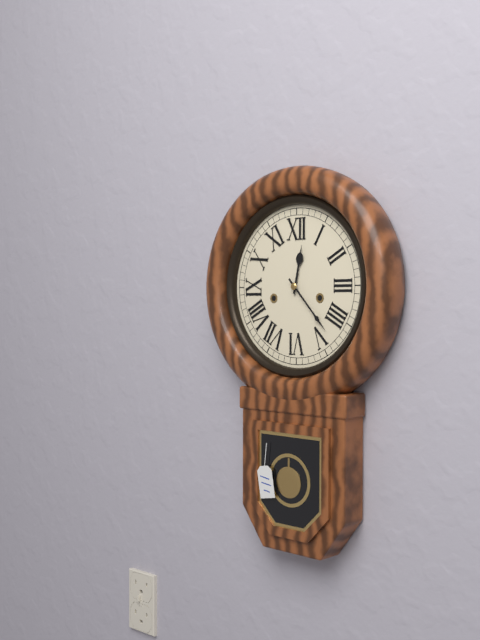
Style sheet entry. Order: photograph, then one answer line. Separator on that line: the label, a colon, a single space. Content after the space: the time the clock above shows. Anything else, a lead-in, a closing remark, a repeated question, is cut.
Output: 12:23
